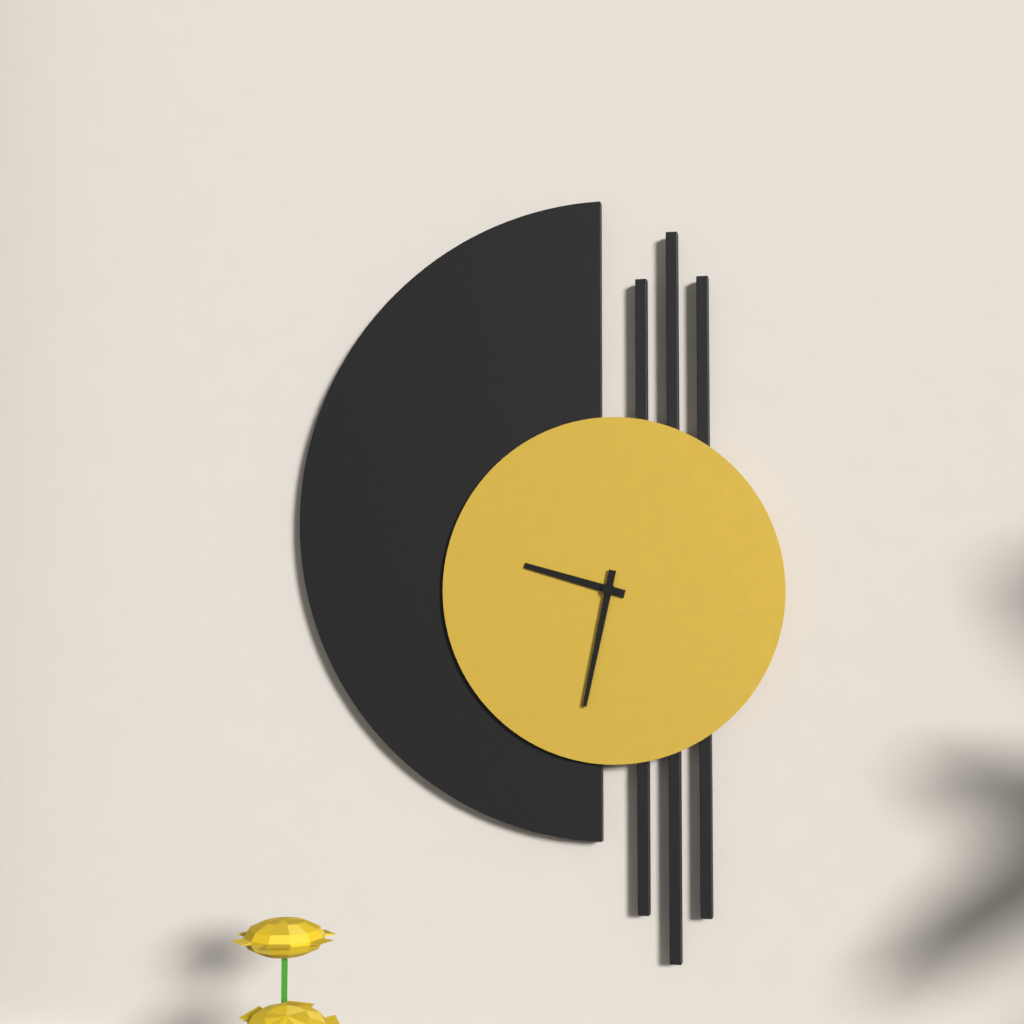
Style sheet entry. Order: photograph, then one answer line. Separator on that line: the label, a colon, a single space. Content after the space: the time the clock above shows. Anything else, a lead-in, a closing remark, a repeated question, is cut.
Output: 9:32
